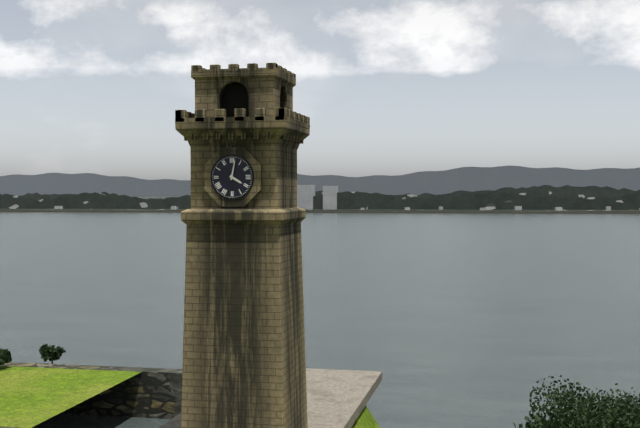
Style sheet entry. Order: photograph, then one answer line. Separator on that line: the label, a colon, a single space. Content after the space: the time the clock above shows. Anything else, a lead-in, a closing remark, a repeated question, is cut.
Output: 4:02
